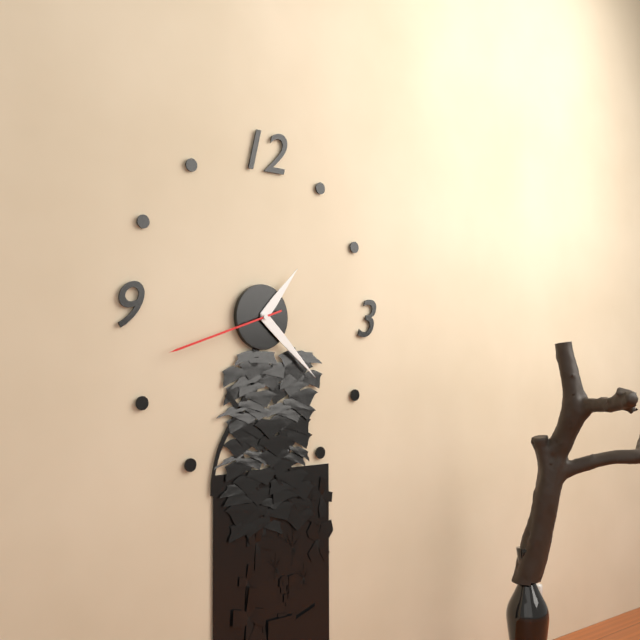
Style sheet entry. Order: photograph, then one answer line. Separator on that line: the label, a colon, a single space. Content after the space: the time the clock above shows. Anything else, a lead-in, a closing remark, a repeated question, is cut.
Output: 1:22:42
